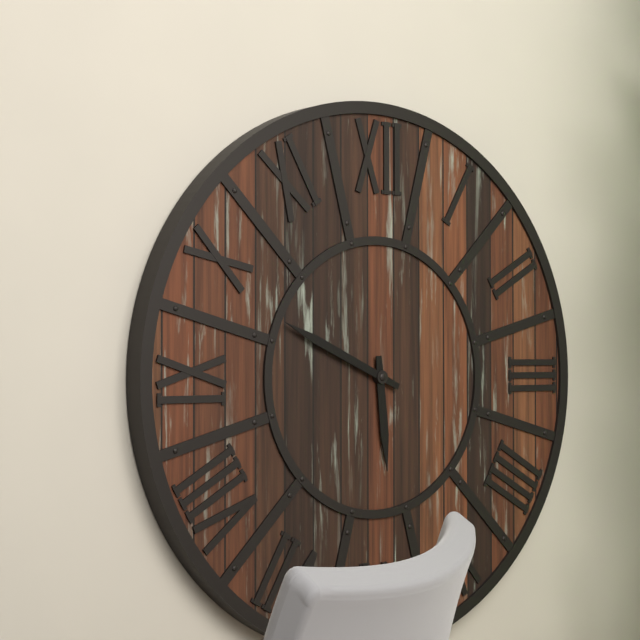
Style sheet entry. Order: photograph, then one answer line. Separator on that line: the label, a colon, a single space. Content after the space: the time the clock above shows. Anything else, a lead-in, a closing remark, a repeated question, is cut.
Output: 5:49
